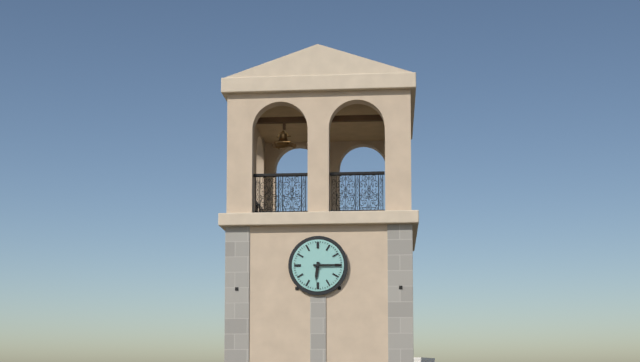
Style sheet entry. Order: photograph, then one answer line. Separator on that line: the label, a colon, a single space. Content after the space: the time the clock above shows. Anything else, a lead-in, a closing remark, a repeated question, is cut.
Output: 6:15
